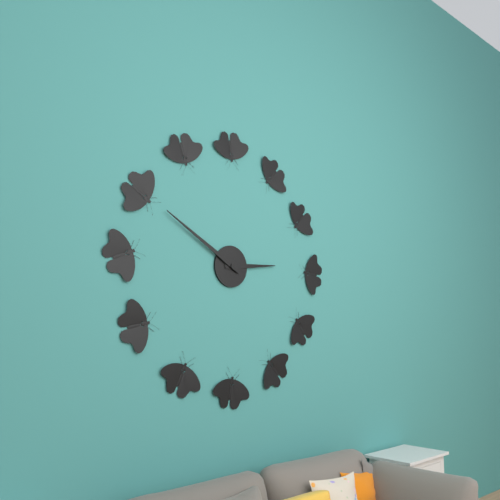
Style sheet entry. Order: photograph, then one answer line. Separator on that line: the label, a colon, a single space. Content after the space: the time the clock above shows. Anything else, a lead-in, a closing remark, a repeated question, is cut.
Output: 2:50
